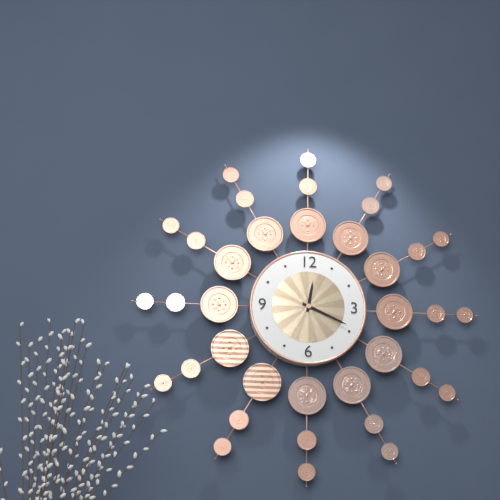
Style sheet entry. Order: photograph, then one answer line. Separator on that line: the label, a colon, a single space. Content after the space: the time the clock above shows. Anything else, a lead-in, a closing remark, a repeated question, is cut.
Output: 12:19
